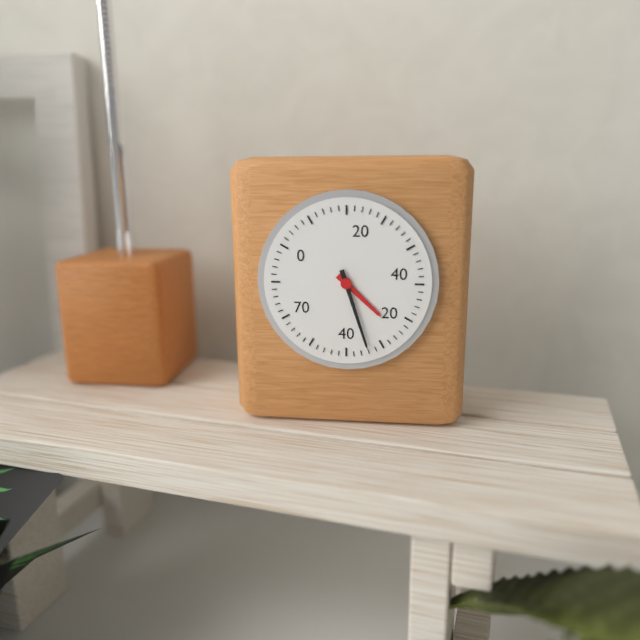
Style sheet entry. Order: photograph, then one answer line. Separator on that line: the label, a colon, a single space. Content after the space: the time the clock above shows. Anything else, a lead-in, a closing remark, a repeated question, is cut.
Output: 4:27
